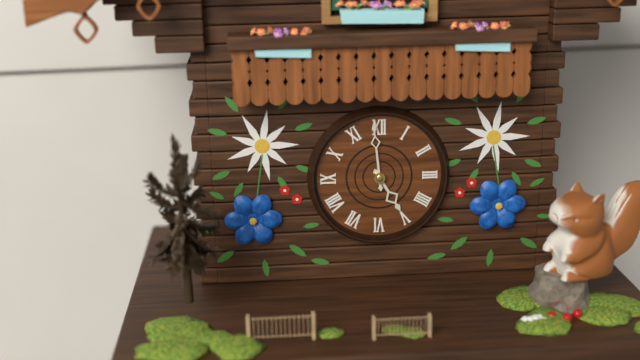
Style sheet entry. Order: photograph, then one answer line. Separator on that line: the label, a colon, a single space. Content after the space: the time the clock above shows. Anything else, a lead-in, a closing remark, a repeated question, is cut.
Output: 4:59
